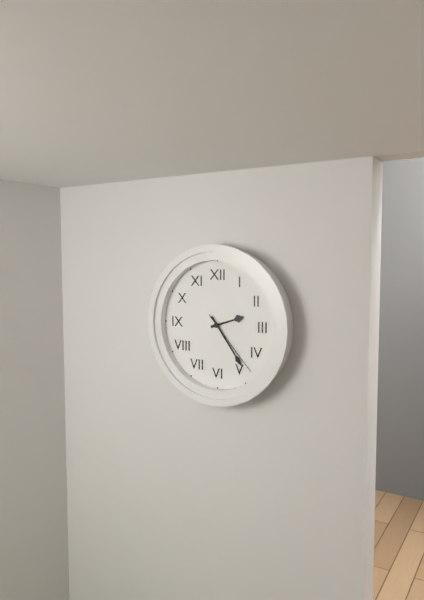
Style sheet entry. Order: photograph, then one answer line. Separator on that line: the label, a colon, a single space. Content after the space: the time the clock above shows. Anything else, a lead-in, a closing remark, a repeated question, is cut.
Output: 2:24:23
